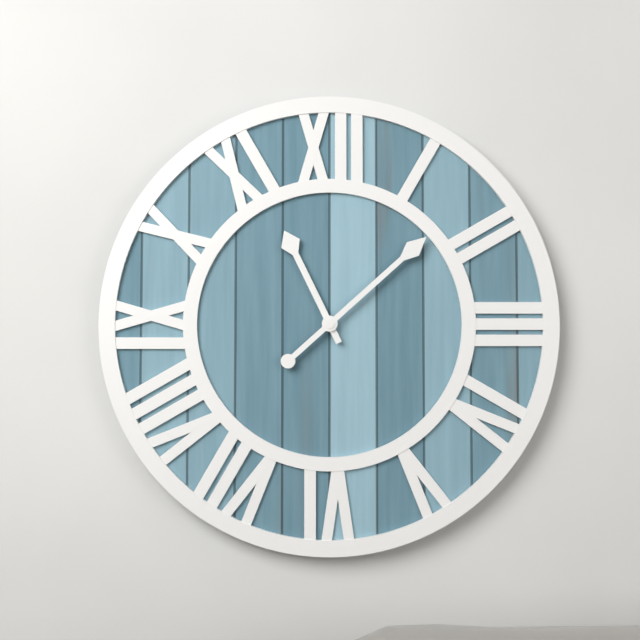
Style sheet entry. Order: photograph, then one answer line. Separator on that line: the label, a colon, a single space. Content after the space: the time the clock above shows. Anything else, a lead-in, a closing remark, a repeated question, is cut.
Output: 11:08
